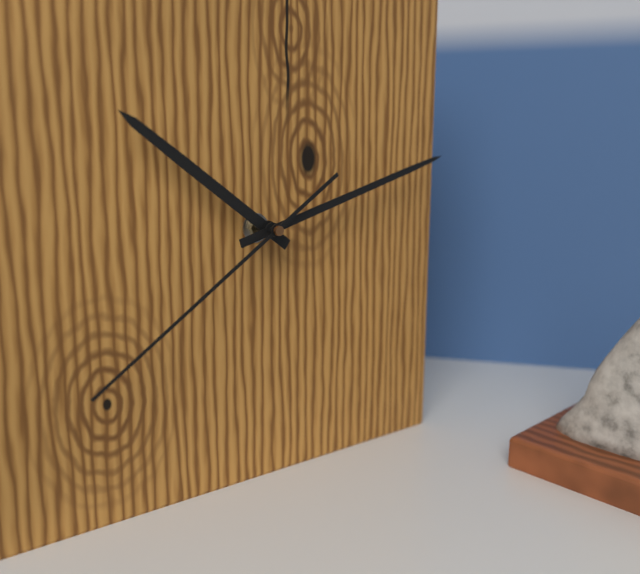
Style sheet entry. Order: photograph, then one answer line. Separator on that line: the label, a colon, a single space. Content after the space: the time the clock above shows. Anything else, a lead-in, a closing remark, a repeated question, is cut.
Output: 10:12:39
